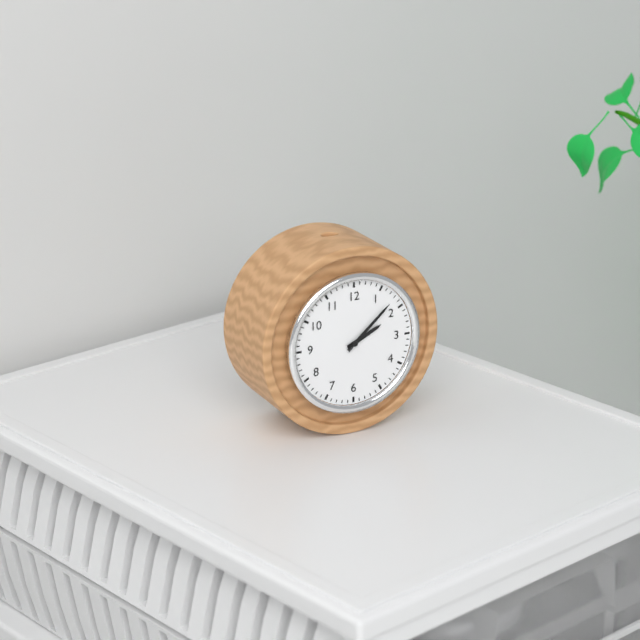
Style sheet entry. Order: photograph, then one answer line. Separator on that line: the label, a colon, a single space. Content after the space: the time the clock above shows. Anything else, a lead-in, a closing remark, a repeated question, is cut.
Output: 2:08
